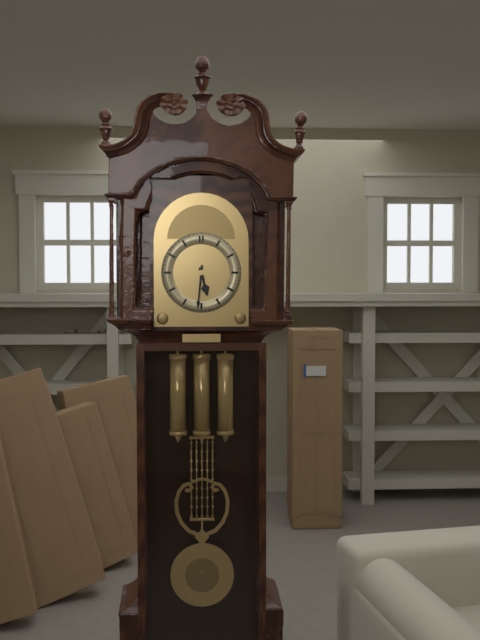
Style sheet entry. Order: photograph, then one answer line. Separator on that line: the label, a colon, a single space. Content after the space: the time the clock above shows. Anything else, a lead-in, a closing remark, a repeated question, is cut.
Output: 5:31
